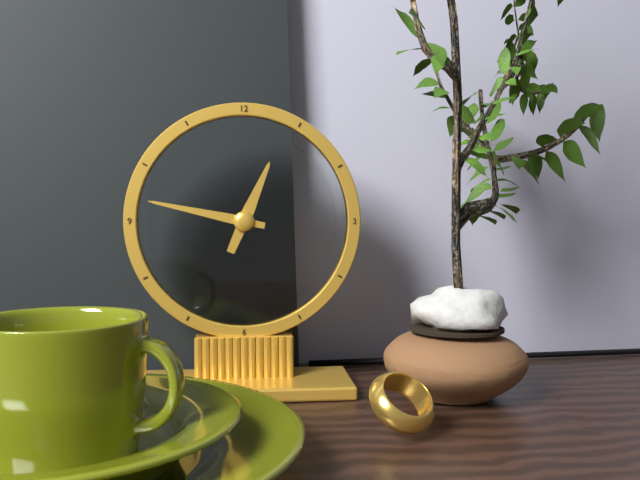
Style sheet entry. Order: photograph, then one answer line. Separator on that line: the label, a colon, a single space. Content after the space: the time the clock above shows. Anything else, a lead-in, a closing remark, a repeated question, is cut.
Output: 12:47
